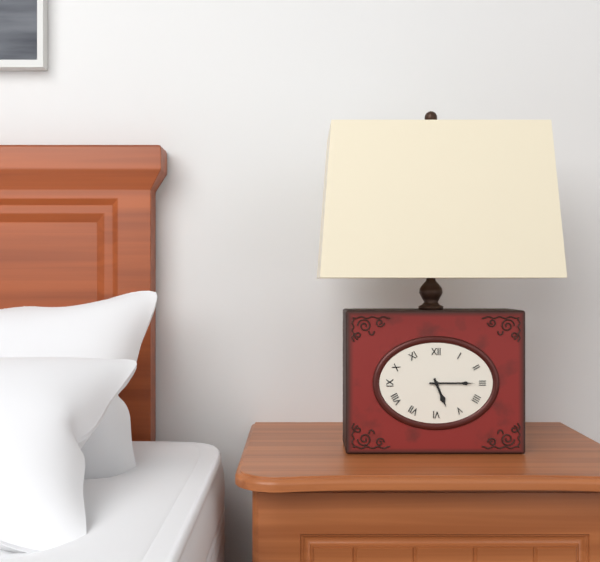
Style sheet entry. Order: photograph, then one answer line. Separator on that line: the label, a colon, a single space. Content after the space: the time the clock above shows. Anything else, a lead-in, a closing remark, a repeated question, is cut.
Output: 5:15
